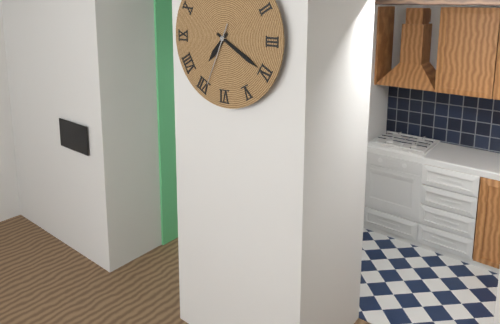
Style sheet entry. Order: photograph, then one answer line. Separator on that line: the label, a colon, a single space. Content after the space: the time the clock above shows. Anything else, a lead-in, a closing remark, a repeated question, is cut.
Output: 7:20:34
